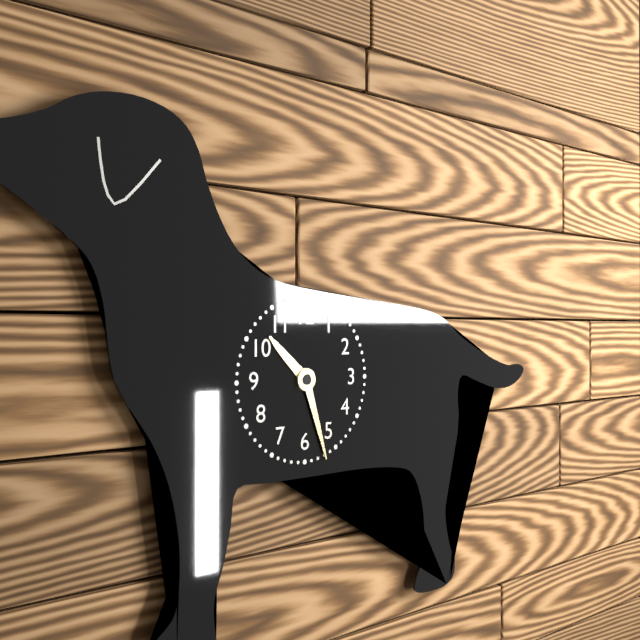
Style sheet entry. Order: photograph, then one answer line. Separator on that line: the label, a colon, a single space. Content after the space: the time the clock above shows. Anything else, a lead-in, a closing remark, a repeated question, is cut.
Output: 10:27
